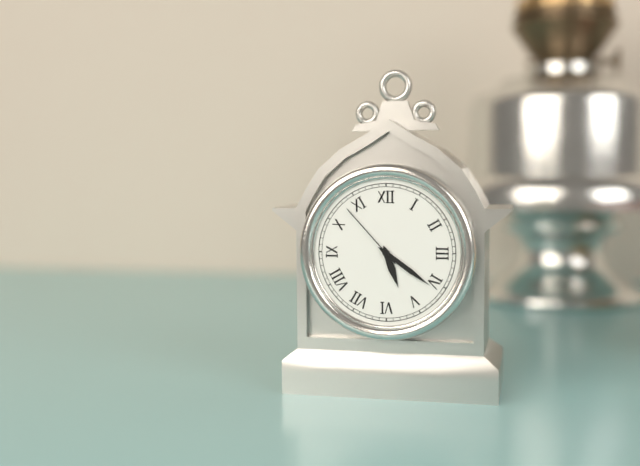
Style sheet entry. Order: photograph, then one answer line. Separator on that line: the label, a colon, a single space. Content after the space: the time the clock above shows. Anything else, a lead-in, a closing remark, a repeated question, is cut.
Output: 5:21:53
